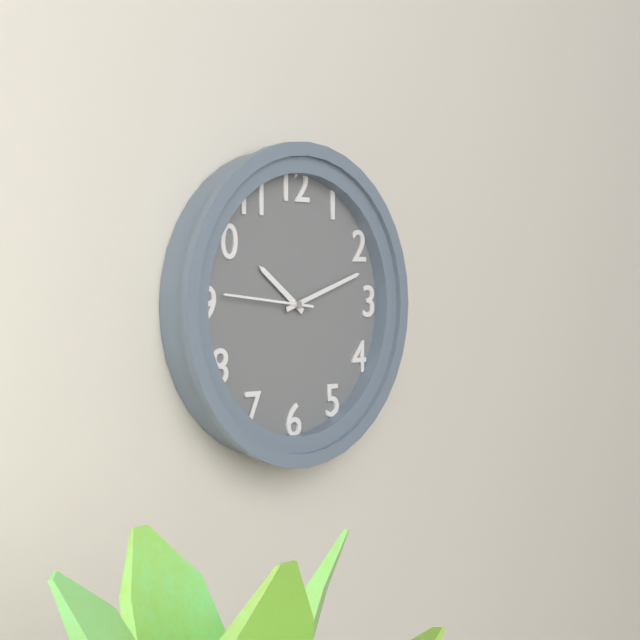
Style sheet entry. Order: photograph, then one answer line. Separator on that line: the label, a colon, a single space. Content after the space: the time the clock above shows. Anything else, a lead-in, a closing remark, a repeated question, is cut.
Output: 10:12:46
